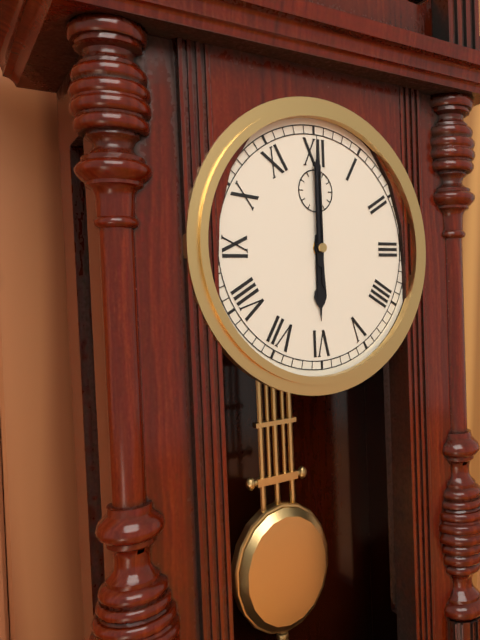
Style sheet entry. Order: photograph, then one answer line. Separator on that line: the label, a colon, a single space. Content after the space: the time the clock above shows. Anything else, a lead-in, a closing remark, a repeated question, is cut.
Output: 6:00
